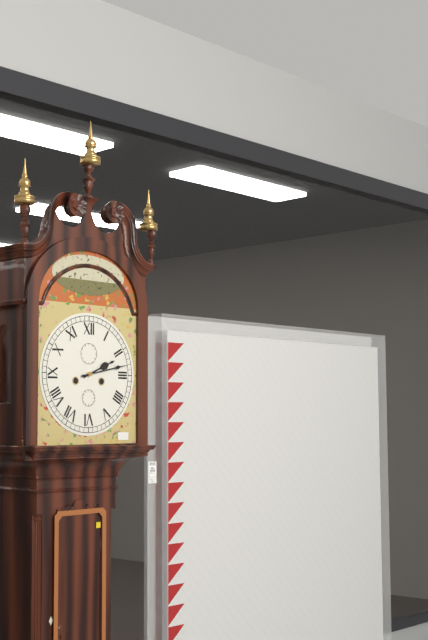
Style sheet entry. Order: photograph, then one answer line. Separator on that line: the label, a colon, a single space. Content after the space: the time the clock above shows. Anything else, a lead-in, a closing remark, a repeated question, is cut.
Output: 2:13
